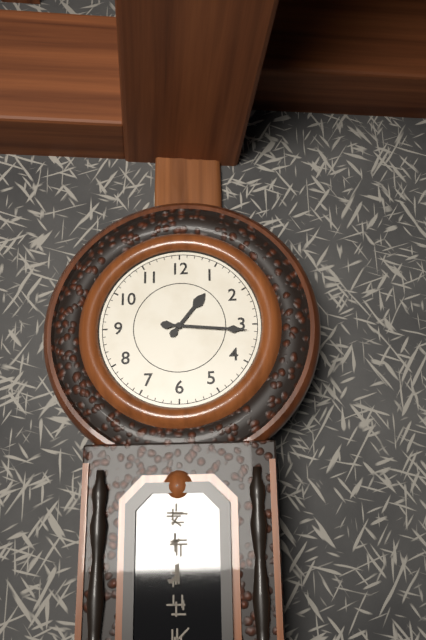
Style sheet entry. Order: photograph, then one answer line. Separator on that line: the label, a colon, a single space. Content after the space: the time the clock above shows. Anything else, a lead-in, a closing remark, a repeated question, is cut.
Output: 1:16
